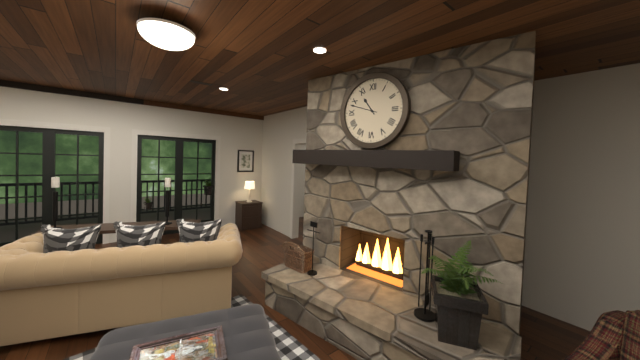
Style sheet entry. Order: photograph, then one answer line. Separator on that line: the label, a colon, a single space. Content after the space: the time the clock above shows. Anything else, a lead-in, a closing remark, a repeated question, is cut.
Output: 10:48
